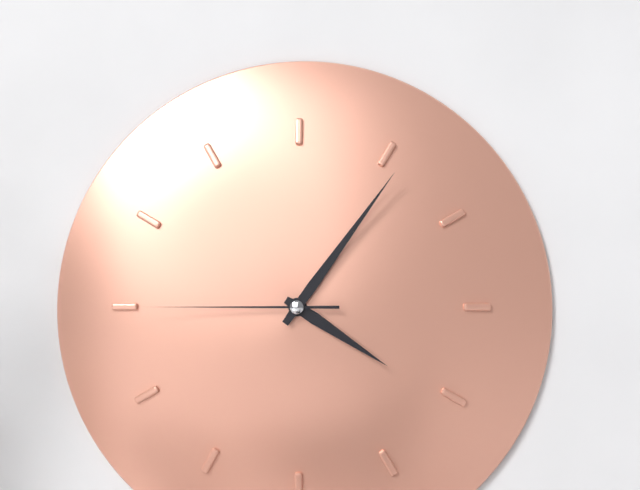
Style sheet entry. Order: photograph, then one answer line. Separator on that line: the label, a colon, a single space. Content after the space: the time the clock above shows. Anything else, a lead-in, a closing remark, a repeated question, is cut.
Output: 4:06:45
